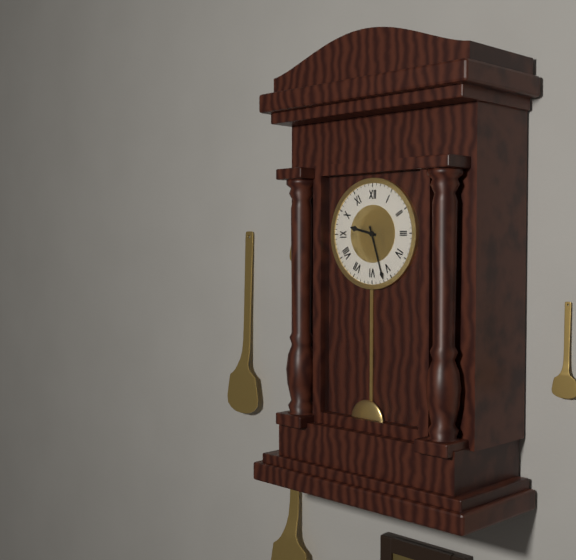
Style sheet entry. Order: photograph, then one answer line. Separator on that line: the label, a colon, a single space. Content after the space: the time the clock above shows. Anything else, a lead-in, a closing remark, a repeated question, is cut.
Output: 9:27
